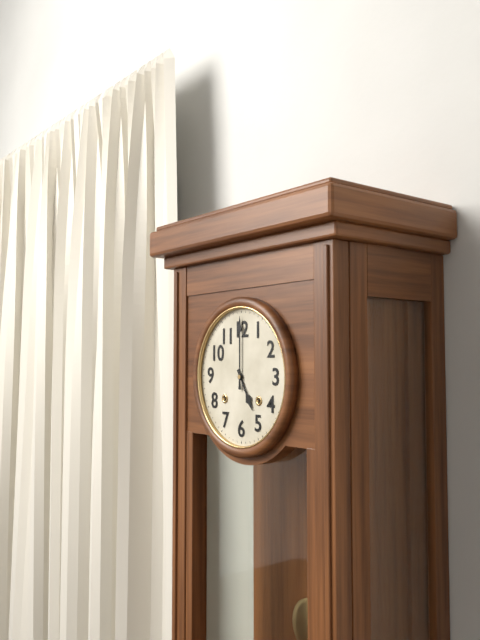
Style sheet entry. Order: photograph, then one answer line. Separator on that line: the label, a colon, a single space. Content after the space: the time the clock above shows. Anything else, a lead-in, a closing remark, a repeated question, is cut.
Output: 5:00
